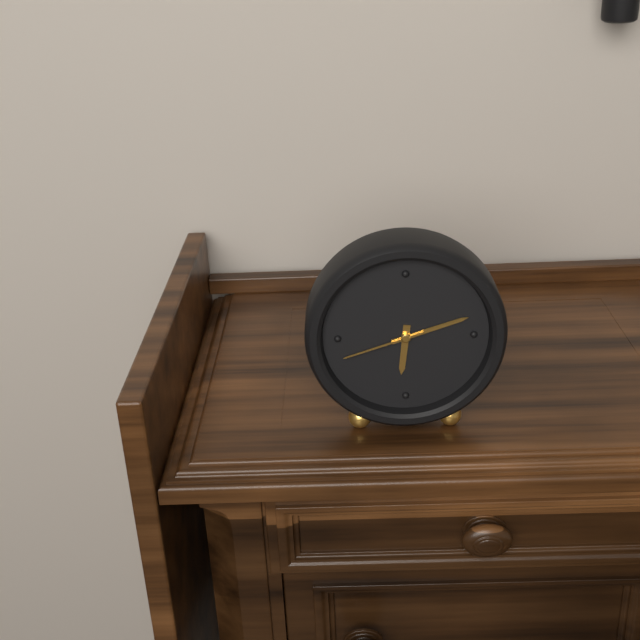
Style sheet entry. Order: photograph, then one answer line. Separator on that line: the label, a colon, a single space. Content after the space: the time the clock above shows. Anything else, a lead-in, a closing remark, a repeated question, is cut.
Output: 6:12:42
